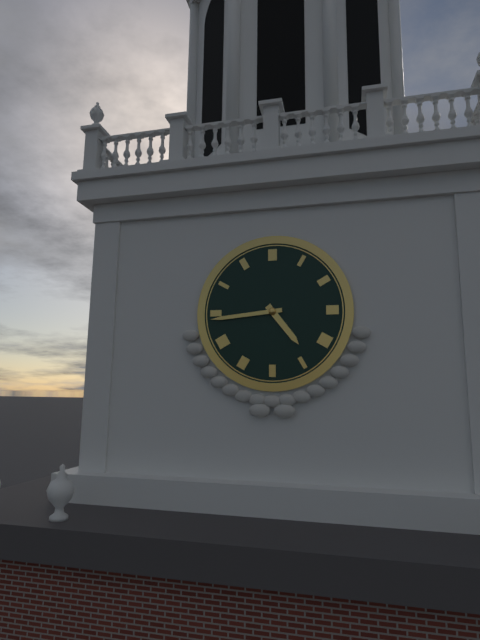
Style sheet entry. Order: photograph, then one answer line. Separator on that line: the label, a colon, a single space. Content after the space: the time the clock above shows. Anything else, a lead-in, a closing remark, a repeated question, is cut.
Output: 4:44
